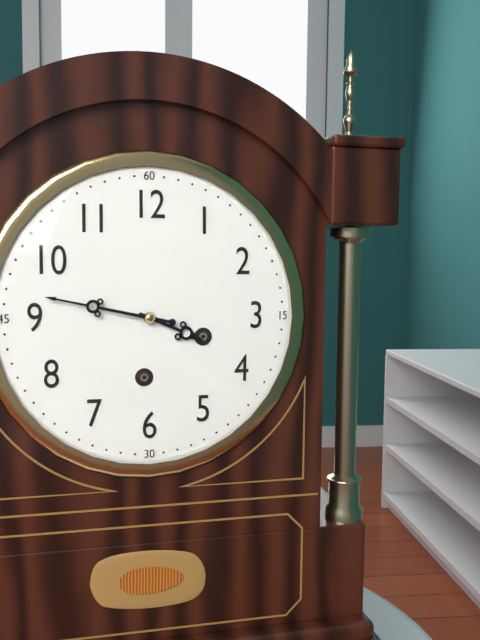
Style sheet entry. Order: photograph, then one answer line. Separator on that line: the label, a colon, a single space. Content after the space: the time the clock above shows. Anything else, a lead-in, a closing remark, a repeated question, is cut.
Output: 3:47
